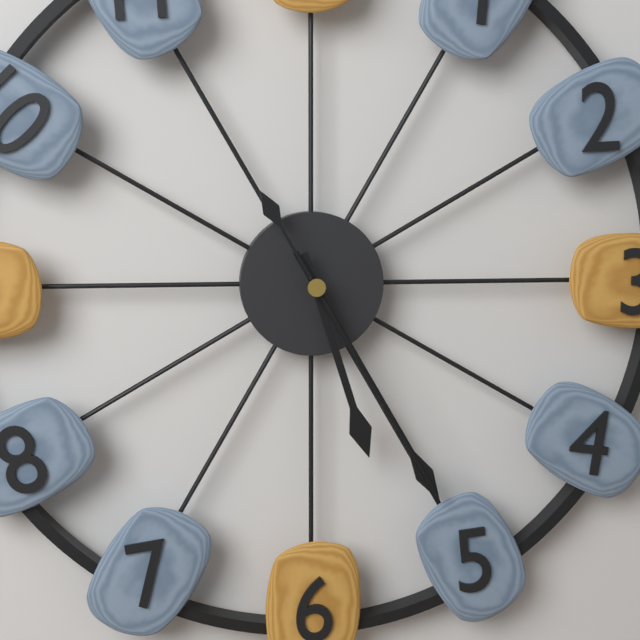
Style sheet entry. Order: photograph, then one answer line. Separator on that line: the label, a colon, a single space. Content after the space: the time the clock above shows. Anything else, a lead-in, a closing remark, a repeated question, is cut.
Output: 5:25:25
